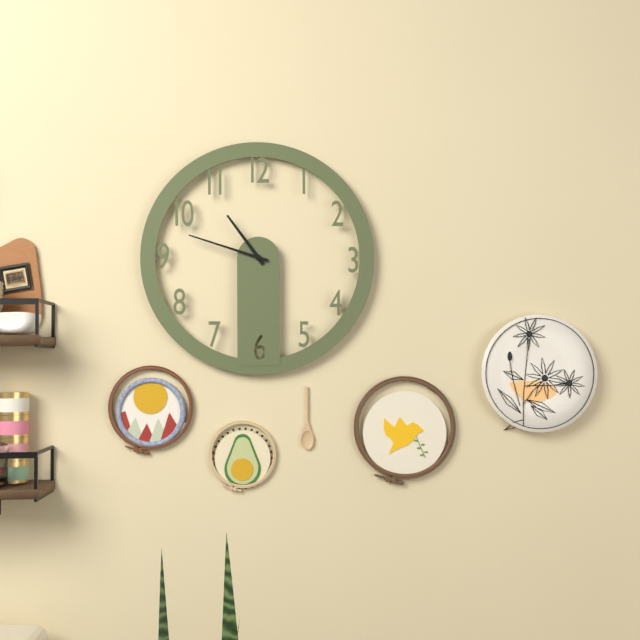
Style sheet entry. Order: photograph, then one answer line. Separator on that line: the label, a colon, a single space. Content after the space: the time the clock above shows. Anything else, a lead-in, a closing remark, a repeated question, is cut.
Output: 10:48
